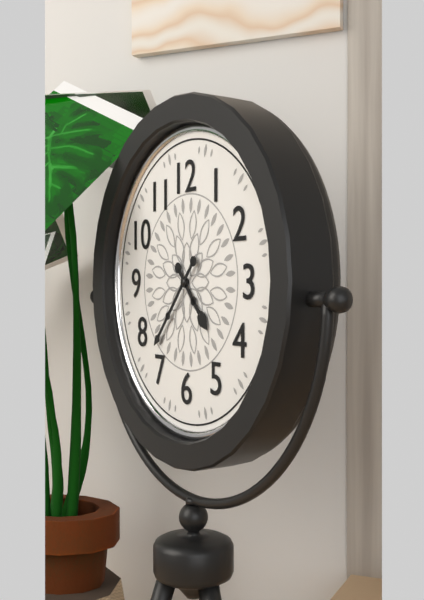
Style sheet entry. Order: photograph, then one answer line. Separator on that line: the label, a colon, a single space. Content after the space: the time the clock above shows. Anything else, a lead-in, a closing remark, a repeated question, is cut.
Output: 4:37
